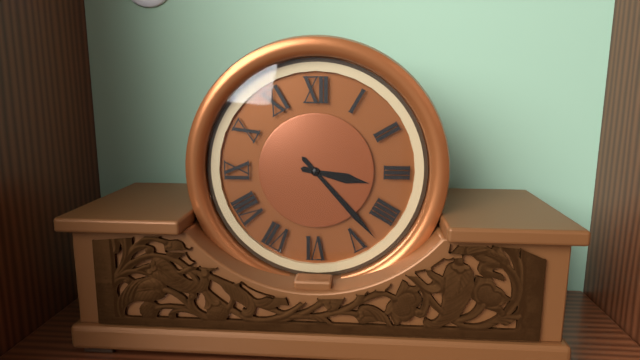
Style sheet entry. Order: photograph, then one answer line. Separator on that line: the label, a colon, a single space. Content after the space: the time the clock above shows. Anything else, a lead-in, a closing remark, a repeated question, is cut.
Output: 3:23
